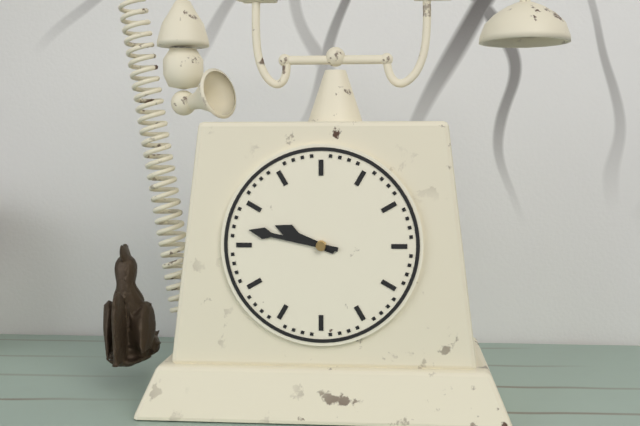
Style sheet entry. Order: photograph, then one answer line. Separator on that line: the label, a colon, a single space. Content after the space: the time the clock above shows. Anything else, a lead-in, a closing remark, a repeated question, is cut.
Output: 9:47
